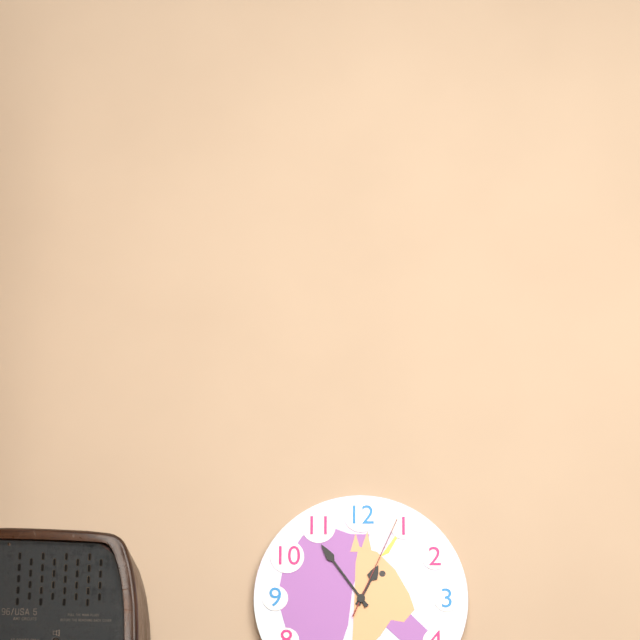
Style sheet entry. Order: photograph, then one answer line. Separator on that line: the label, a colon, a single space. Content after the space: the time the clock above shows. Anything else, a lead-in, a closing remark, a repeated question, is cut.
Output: 12:54:04
